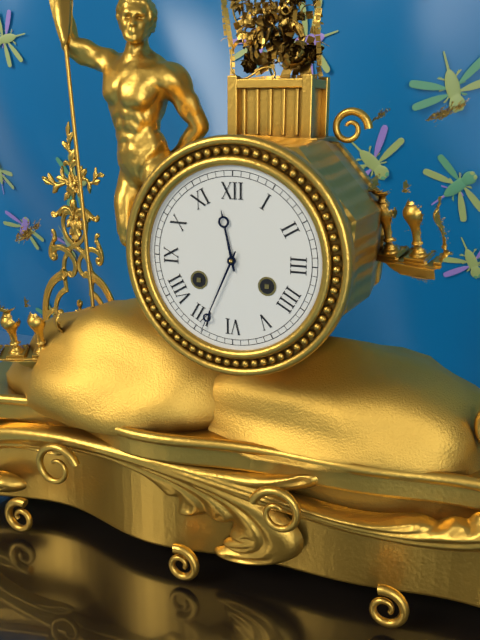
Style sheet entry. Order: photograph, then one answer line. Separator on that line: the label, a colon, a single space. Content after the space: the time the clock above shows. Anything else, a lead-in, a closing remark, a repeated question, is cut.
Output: 11:34
